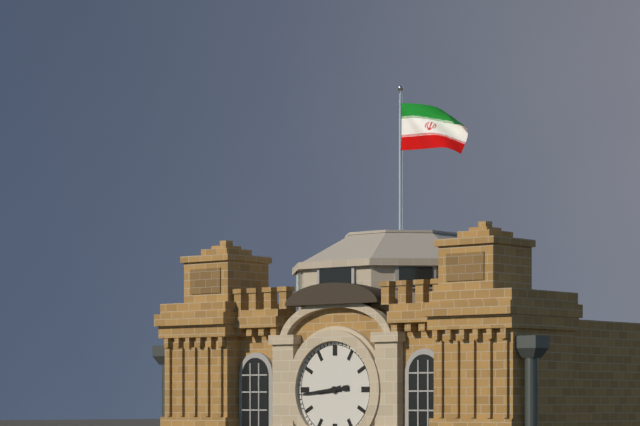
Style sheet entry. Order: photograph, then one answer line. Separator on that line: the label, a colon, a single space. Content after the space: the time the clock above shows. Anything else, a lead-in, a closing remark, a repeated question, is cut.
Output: 8:44
